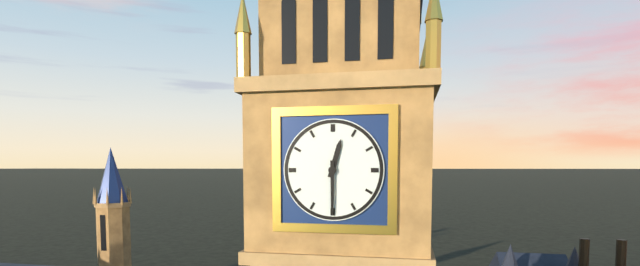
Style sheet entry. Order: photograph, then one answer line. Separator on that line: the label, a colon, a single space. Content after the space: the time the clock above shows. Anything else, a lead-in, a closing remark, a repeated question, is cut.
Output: 12:30
